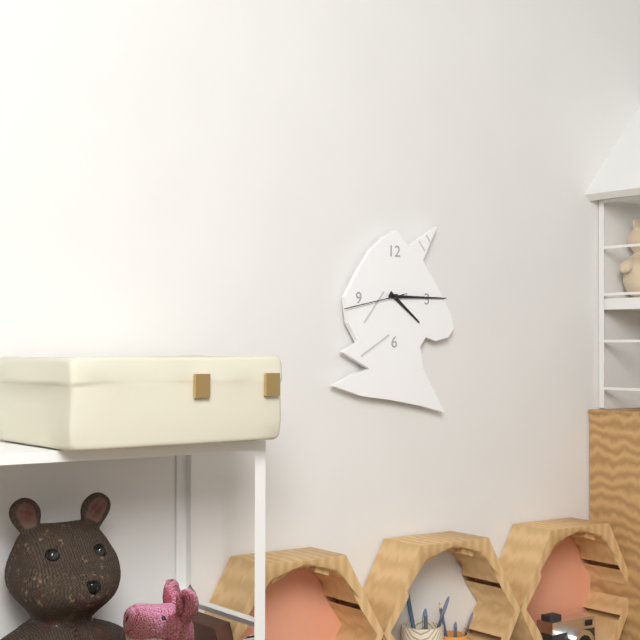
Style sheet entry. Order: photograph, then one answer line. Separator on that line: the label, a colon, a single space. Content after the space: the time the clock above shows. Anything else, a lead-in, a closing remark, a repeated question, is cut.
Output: 4:15:43
